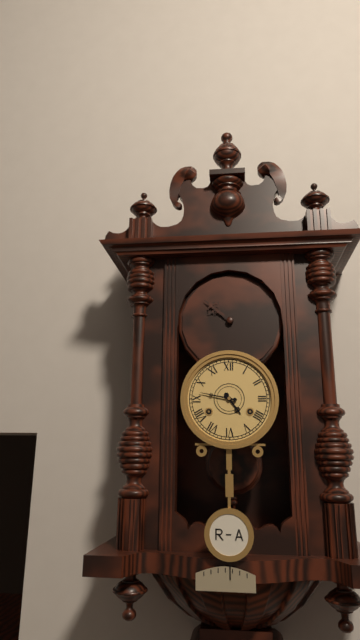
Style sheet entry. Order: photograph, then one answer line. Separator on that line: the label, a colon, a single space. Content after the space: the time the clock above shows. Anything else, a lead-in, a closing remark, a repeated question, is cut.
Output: 4:47
